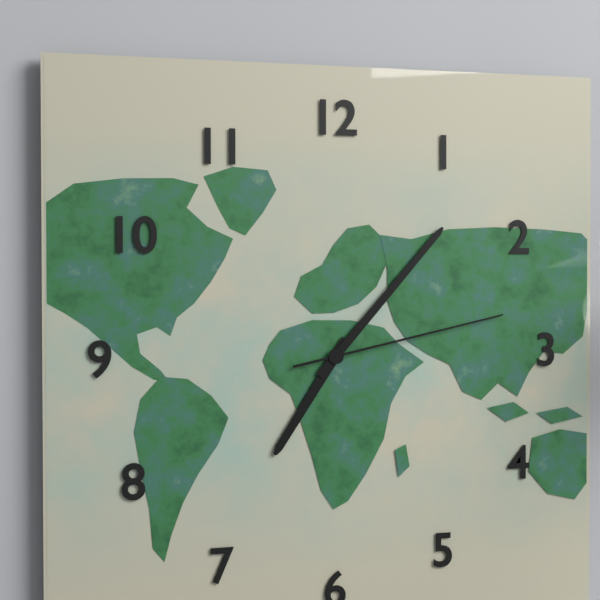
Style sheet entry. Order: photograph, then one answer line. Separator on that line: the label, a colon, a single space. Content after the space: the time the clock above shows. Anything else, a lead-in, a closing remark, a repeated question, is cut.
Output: 7:07:13
